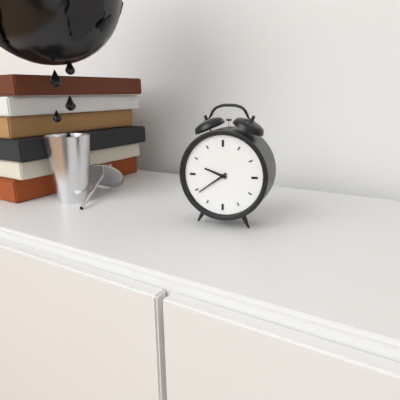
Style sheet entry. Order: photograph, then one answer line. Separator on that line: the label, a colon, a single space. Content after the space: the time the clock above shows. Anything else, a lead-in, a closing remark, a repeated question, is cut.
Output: 9:39
